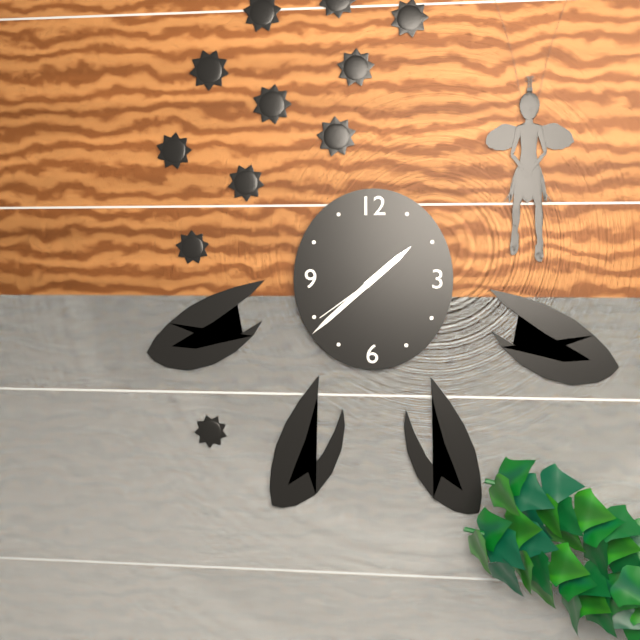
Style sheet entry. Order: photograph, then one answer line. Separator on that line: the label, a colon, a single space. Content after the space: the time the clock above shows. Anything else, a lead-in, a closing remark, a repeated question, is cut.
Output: 1:38:39
